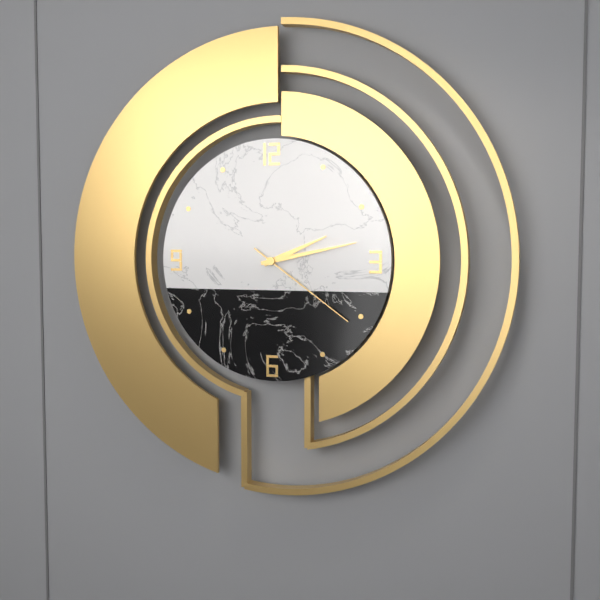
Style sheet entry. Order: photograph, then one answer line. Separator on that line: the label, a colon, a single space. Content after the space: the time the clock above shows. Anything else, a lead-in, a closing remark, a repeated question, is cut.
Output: 2:13:21
